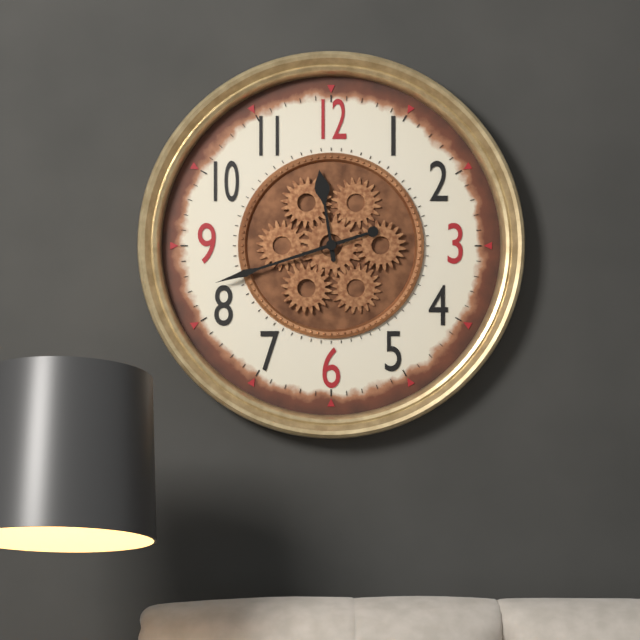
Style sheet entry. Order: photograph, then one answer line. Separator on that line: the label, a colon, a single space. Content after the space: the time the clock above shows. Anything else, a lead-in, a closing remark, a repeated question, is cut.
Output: 11:42
